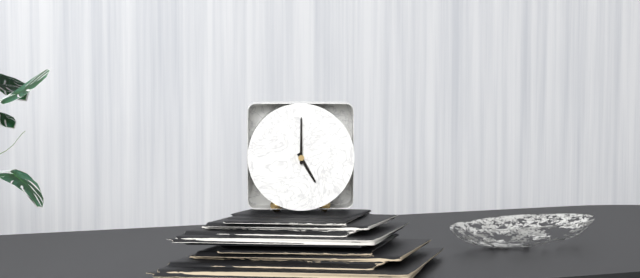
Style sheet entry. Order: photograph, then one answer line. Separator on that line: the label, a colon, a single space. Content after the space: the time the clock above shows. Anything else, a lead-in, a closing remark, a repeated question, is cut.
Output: 5:00
